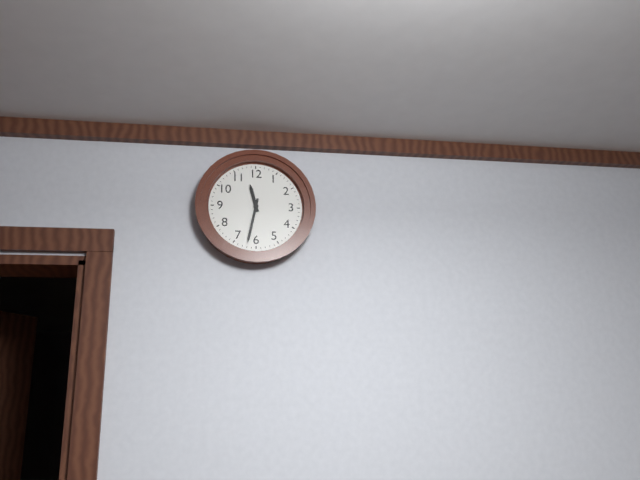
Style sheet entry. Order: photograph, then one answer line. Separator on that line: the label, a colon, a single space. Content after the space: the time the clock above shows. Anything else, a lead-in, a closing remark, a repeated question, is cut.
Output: 11:32
